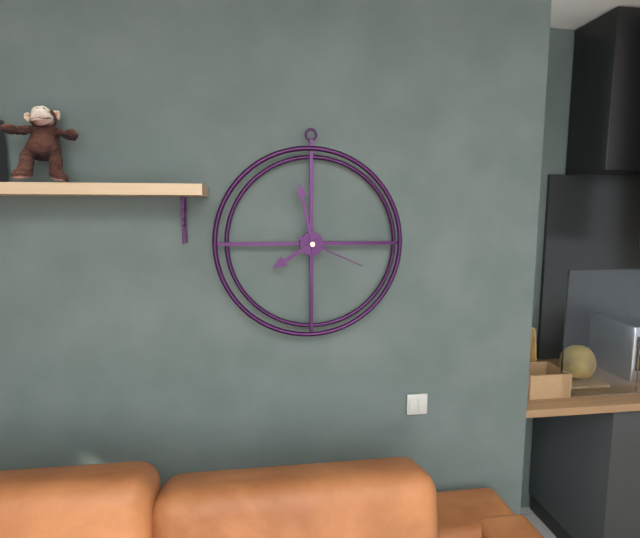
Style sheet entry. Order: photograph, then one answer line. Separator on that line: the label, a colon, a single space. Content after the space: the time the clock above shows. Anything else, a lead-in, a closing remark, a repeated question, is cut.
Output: 7:58:19
